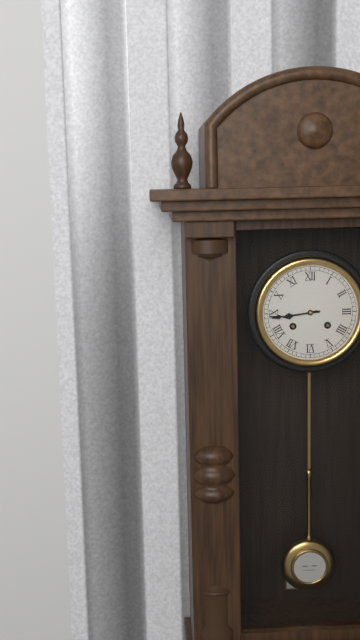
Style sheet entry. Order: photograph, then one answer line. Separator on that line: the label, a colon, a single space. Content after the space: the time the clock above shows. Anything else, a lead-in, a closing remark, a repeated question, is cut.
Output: 8:44
